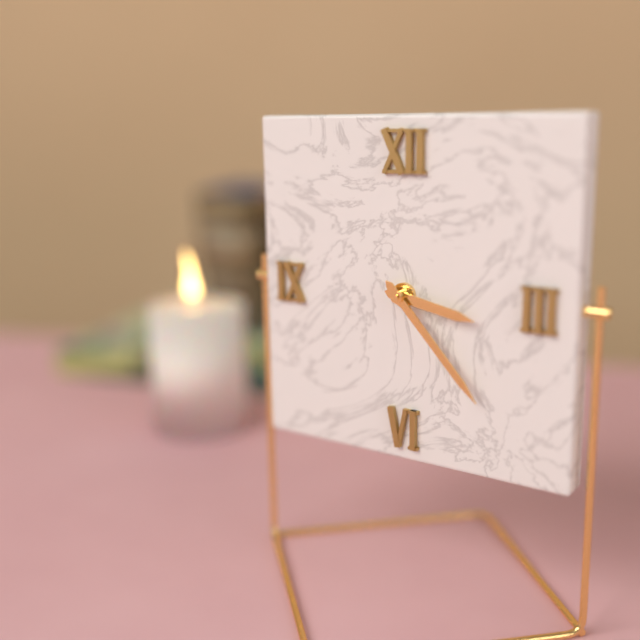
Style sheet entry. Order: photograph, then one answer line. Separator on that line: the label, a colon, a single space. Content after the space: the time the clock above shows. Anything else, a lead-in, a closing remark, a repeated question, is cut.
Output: 3:23
